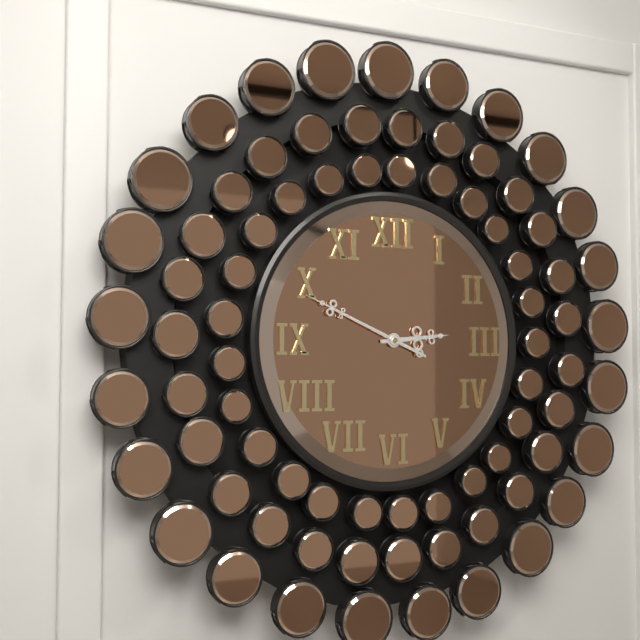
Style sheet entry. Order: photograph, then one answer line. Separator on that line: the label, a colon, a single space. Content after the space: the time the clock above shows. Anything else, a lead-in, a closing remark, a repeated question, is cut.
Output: 2:49
